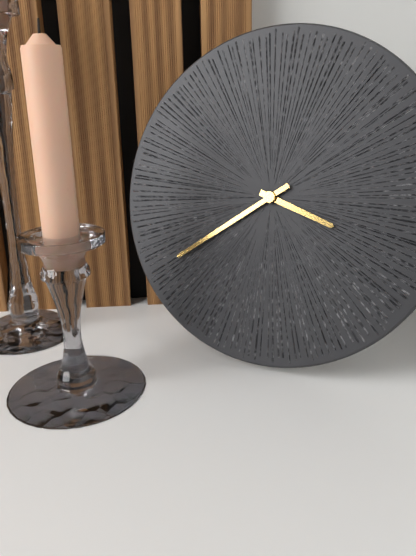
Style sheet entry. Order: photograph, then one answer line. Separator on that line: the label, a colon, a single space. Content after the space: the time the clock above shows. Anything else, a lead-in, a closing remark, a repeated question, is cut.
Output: 3:39
